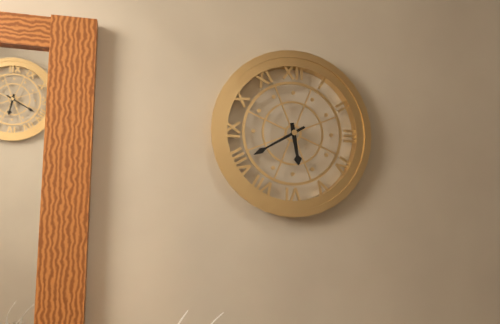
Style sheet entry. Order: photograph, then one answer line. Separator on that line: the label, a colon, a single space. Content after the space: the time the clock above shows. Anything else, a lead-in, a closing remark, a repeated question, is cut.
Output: 5:40
